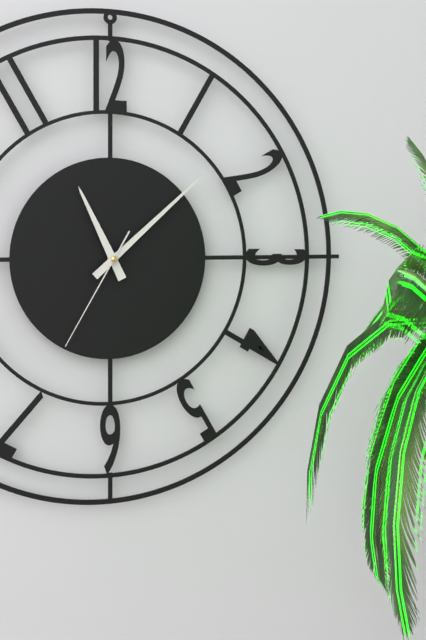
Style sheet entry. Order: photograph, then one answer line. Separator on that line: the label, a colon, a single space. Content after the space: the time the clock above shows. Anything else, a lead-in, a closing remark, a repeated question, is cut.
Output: 11:08:35
